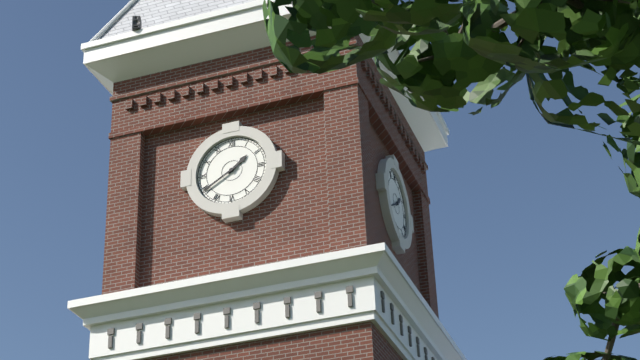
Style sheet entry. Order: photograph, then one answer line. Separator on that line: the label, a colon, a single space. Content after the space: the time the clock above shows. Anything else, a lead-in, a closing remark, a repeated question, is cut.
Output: 1:40
